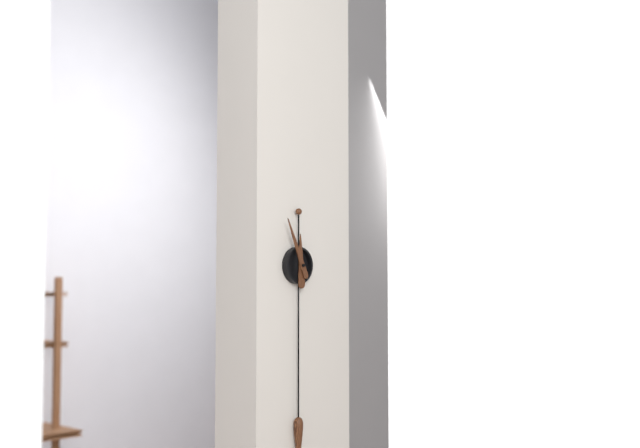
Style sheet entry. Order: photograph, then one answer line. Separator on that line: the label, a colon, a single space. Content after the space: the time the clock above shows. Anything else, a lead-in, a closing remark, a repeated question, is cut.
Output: 11:56
